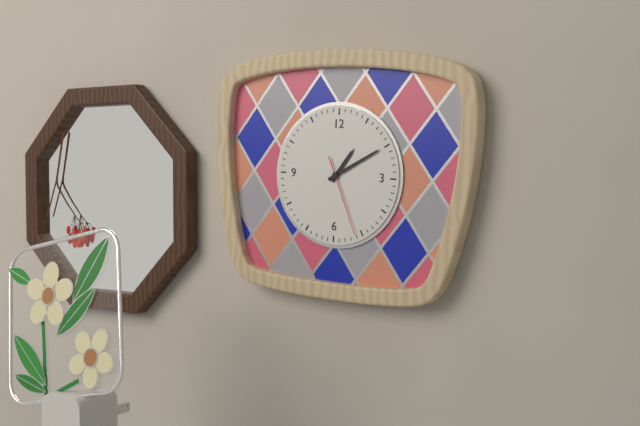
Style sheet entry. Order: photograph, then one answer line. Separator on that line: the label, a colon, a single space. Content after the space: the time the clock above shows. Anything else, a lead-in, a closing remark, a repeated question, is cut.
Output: 1:10:26
